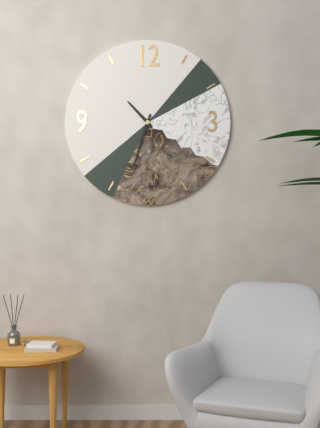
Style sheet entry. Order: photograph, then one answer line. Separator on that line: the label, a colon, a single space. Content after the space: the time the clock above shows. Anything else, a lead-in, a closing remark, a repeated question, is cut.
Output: 10:33
